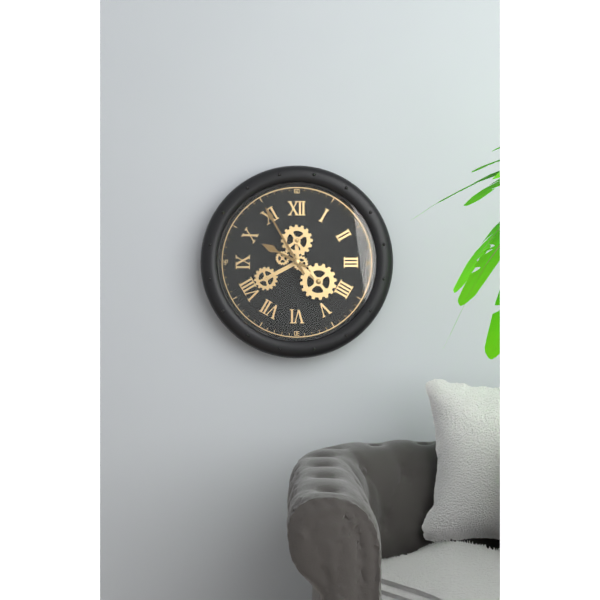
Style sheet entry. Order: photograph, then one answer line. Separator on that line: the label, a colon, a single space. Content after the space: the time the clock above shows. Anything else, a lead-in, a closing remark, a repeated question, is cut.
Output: 9:55
